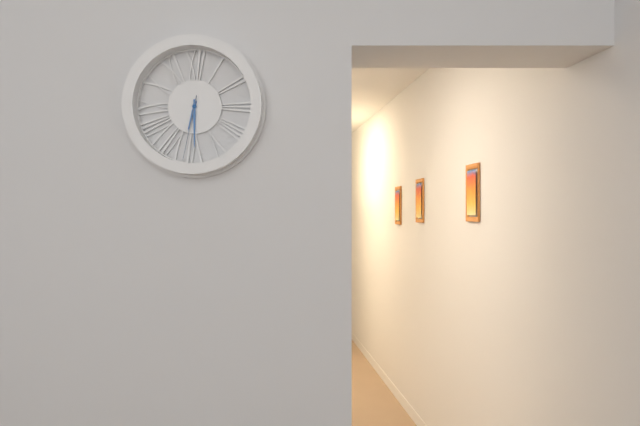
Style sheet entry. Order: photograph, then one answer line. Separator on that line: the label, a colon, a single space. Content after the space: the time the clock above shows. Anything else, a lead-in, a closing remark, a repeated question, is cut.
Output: 6:30:32
